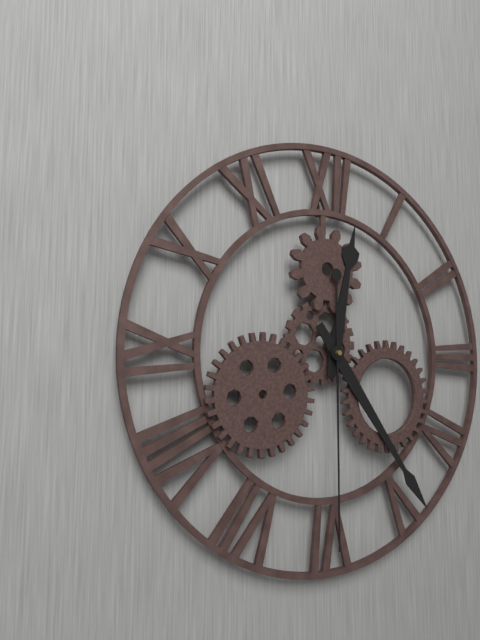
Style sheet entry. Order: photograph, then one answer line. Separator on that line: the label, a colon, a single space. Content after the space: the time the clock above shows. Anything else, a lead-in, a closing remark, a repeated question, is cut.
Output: 12:24:30
